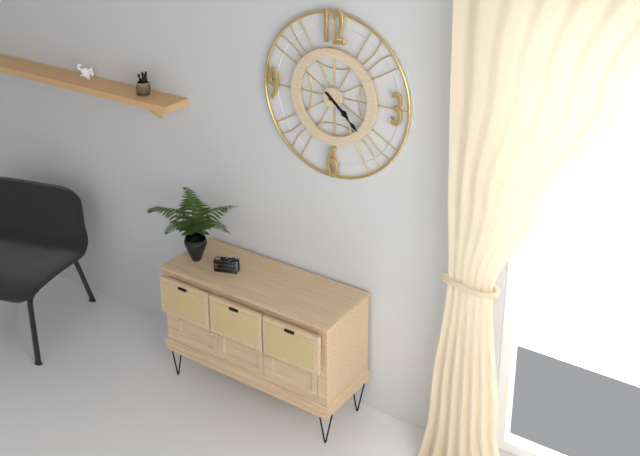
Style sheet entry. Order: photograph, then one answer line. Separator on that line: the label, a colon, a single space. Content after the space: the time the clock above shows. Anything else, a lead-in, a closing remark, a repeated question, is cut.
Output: 4:22
